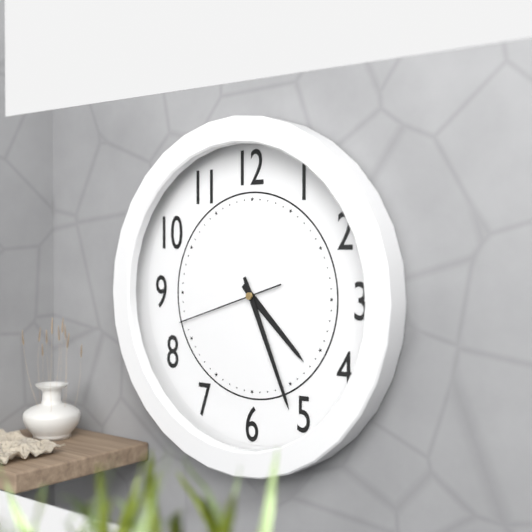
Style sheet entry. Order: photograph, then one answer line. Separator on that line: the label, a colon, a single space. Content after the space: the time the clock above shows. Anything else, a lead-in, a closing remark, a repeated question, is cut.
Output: 4:26:42
